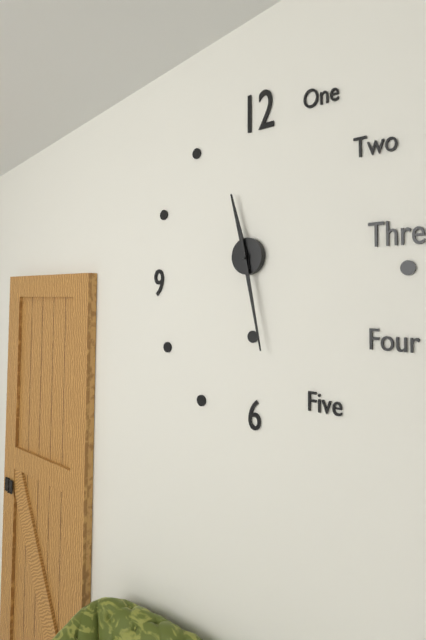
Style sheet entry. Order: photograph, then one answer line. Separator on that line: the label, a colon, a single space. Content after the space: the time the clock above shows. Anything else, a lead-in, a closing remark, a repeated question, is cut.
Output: 11:28
